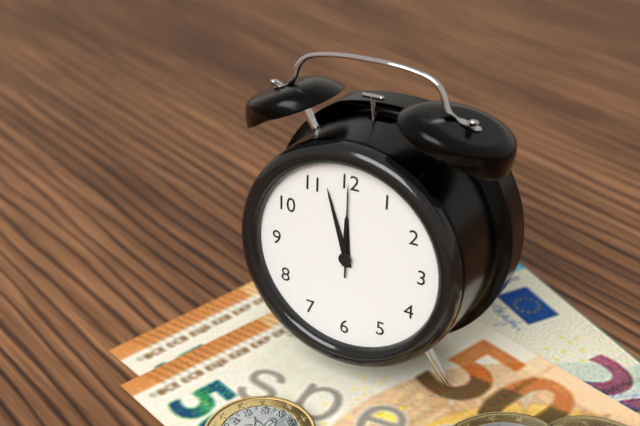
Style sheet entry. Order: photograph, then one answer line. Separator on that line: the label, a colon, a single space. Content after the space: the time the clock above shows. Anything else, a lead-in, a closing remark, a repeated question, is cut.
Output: 11:57:00
